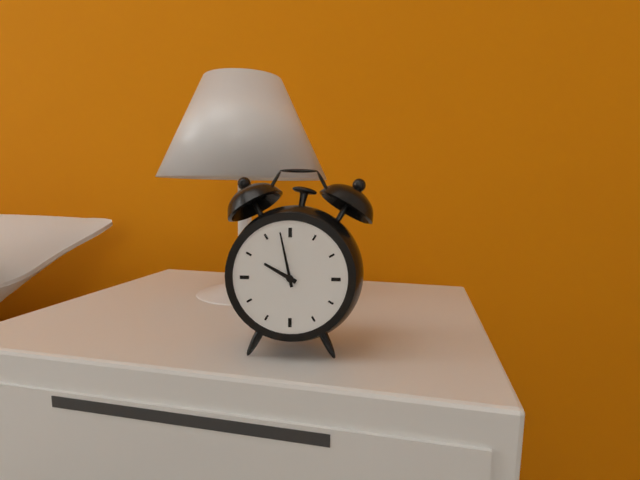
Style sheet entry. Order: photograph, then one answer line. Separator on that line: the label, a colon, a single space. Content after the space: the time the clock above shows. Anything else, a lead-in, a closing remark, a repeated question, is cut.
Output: 9:58
